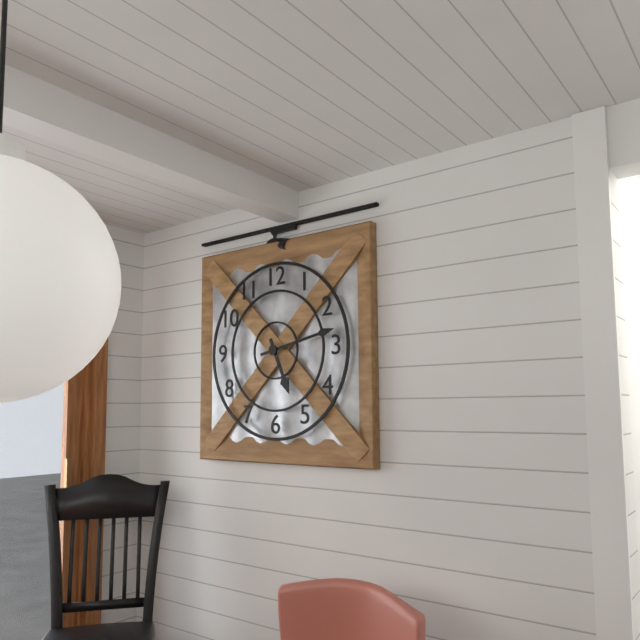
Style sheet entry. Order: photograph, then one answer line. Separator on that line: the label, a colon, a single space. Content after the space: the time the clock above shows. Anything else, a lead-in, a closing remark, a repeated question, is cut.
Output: 5:13
